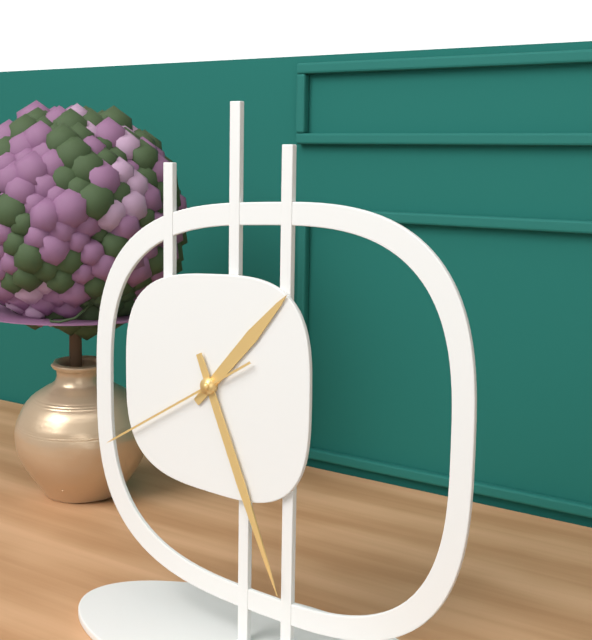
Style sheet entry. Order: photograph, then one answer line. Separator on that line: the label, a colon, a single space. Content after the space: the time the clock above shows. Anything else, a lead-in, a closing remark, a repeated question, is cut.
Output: 1:26:40
